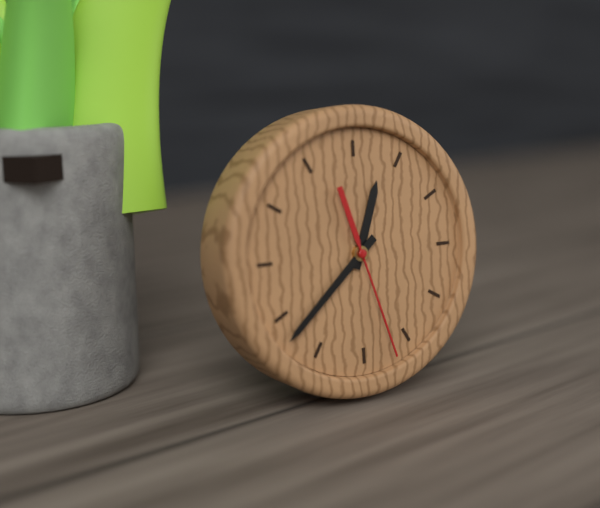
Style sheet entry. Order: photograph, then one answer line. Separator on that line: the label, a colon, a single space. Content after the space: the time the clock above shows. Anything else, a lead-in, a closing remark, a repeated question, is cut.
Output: 12:38:27
